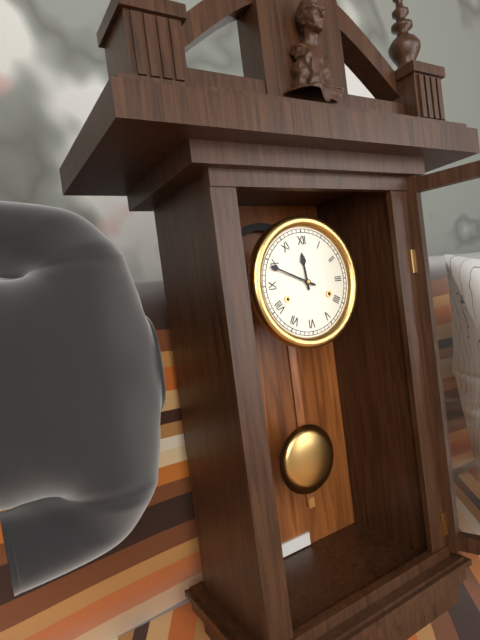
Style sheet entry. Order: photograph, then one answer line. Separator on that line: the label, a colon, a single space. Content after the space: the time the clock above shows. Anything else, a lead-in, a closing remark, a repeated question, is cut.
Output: 11:49
